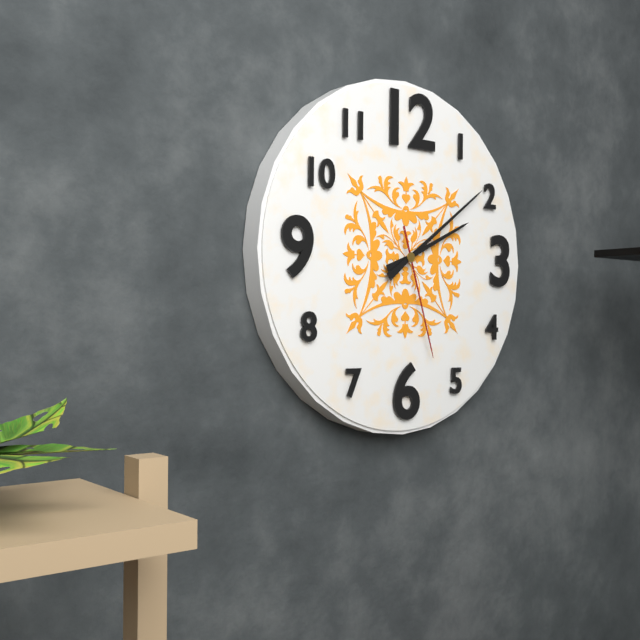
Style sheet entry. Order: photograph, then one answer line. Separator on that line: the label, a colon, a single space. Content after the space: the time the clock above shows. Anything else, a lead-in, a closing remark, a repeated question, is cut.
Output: 2:09:27
